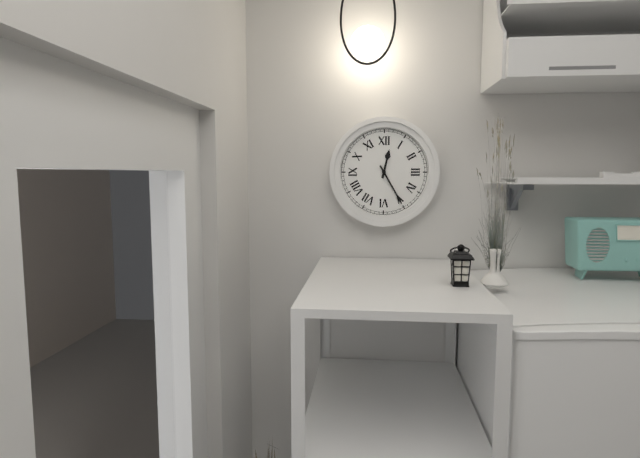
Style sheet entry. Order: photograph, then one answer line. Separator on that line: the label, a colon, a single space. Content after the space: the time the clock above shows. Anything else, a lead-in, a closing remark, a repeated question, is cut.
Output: 12:25
